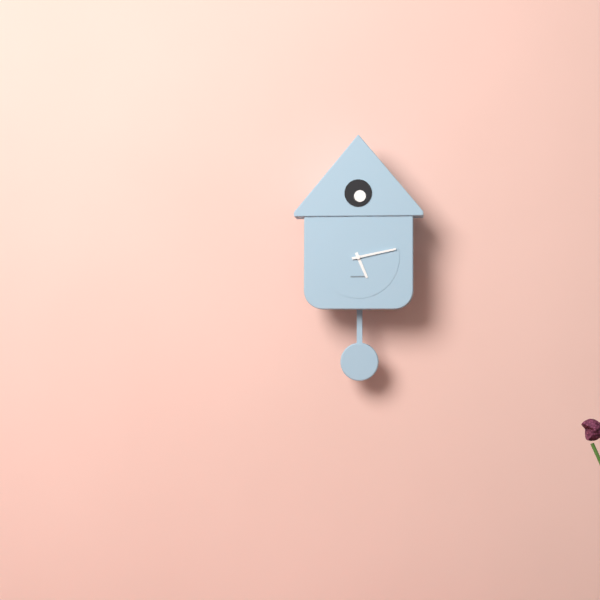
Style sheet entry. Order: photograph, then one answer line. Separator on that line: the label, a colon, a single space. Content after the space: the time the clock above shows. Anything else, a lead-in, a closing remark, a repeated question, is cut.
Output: 5:13
